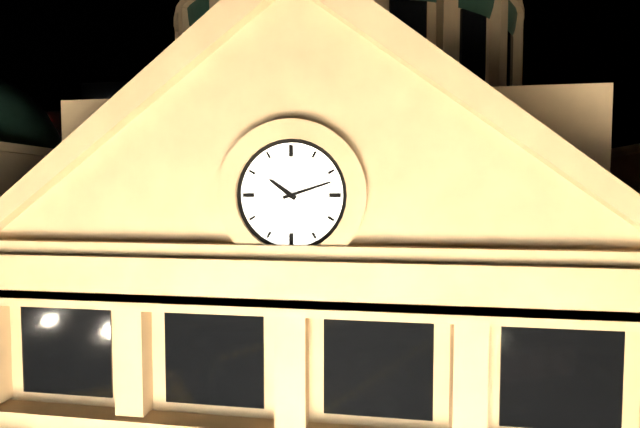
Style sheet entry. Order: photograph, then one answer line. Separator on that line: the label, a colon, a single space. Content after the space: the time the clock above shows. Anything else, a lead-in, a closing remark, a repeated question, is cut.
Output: 10:12
